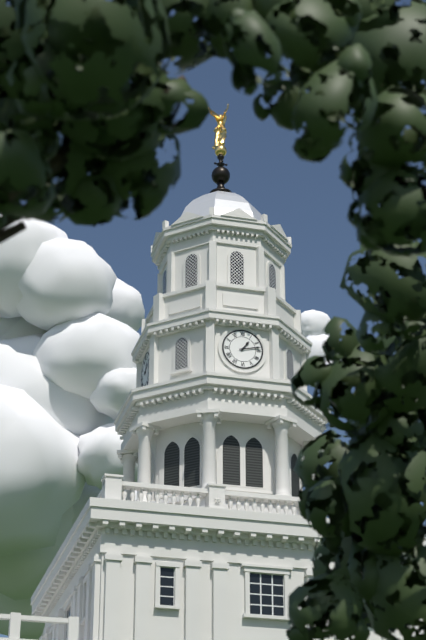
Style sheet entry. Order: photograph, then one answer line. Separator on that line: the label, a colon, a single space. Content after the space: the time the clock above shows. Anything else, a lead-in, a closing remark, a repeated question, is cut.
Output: 1:13
